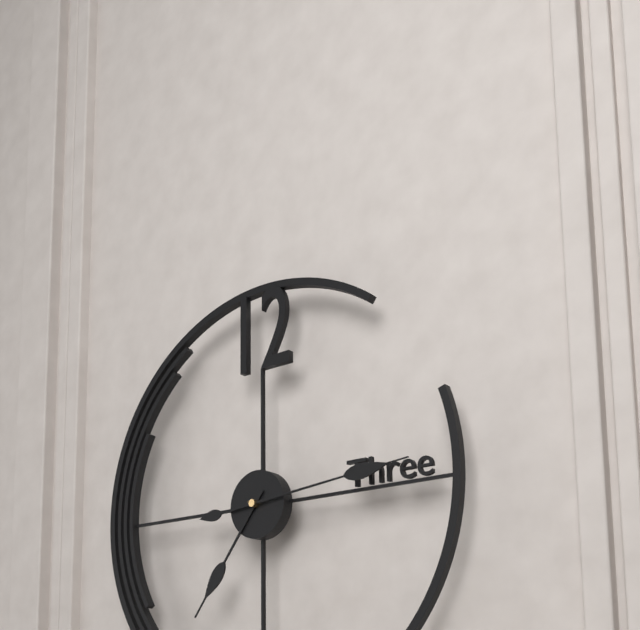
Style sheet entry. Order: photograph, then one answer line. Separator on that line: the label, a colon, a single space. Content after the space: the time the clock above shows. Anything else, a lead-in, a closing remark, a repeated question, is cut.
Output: 7:14
